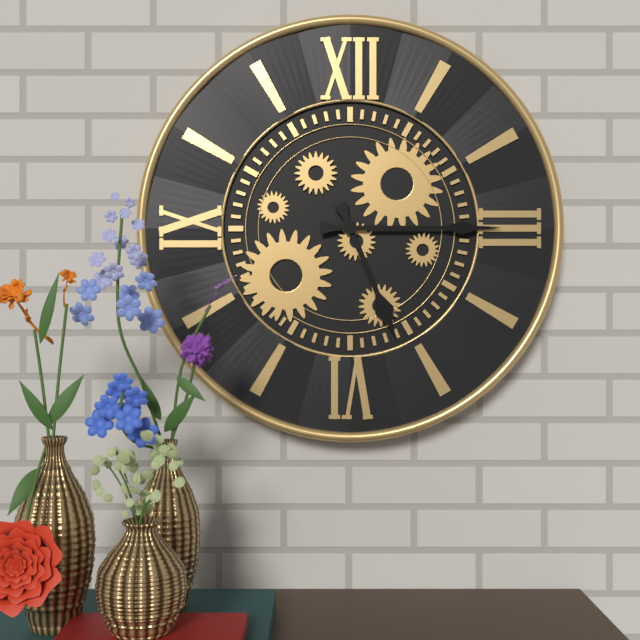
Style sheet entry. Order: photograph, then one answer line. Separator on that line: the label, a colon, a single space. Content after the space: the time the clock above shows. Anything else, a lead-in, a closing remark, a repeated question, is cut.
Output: 5:15
